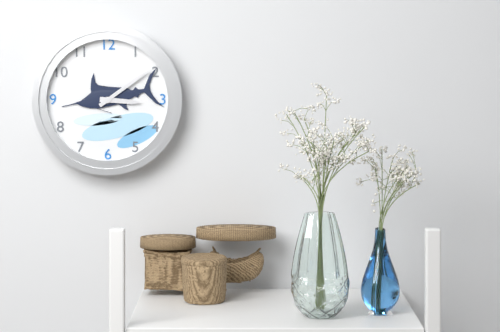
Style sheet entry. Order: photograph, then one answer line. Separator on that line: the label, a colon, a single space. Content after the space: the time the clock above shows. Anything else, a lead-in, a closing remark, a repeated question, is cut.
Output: 3:09
